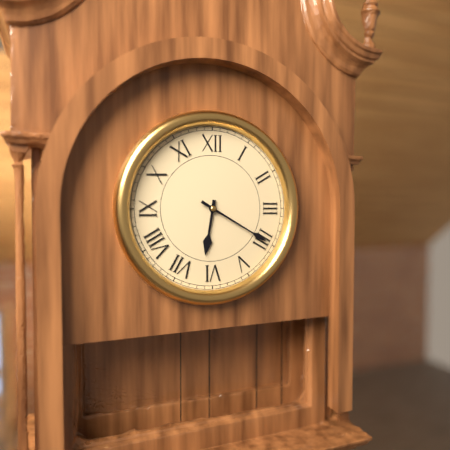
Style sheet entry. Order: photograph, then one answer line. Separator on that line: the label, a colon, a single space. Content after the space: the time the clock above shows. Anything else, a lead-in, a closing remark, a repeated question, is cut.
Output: 6:20
